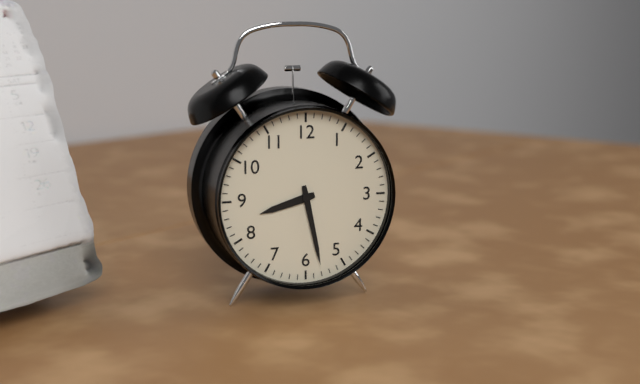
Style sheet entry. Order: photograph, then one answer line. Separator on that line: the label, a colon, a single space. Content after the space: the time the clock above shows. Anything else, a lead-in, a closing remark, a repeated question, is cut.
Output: 8:28
